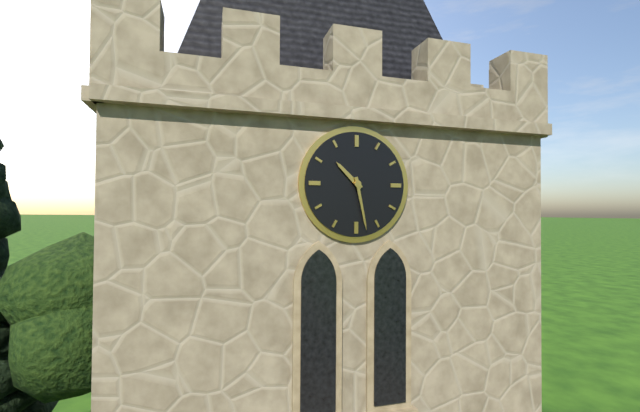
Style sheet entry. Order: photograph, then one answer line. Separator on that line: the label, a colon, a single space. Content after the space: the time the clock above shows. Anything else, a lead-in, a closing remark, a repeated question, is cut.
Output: 10:28
